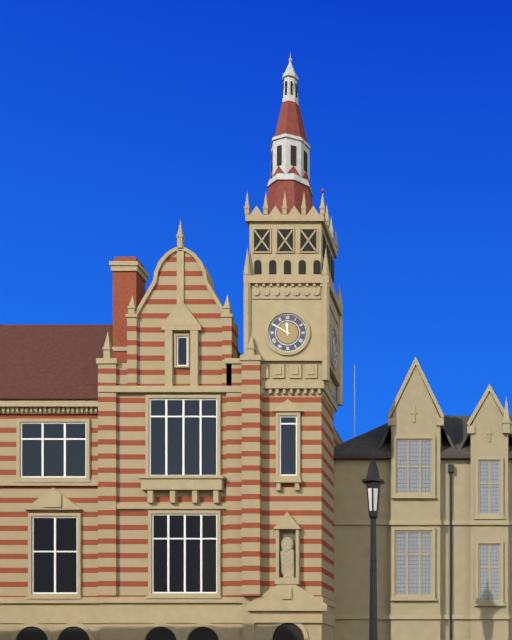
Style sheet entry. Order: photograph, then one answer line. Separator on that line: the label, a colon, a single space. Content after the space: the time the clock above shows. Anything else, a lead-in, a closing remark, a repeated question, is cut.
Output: 11:50
